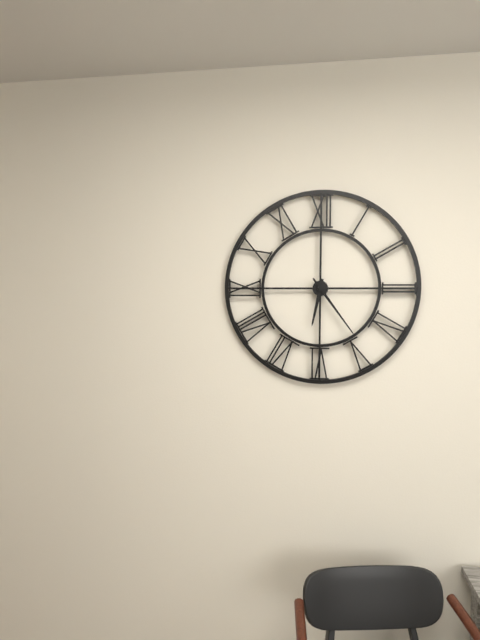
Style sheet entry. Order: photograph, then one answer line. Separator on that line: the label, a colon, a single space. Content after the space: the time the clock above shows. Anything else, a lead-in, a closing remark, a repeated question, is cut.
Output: 6:24
